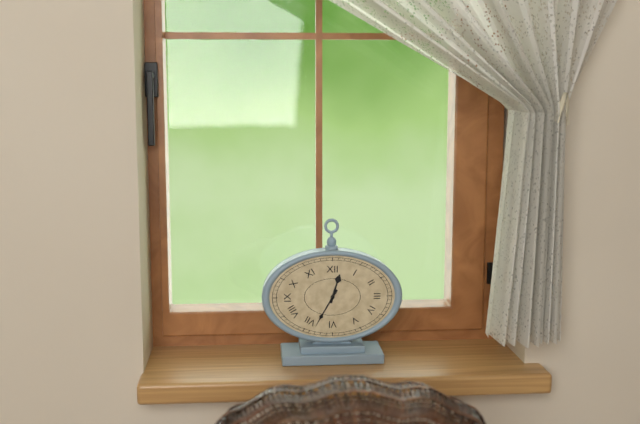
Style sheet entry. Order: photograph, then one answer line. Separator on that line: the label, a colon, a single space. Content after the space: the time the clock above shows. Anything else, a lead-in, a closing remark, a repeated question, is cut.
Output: 12:35
